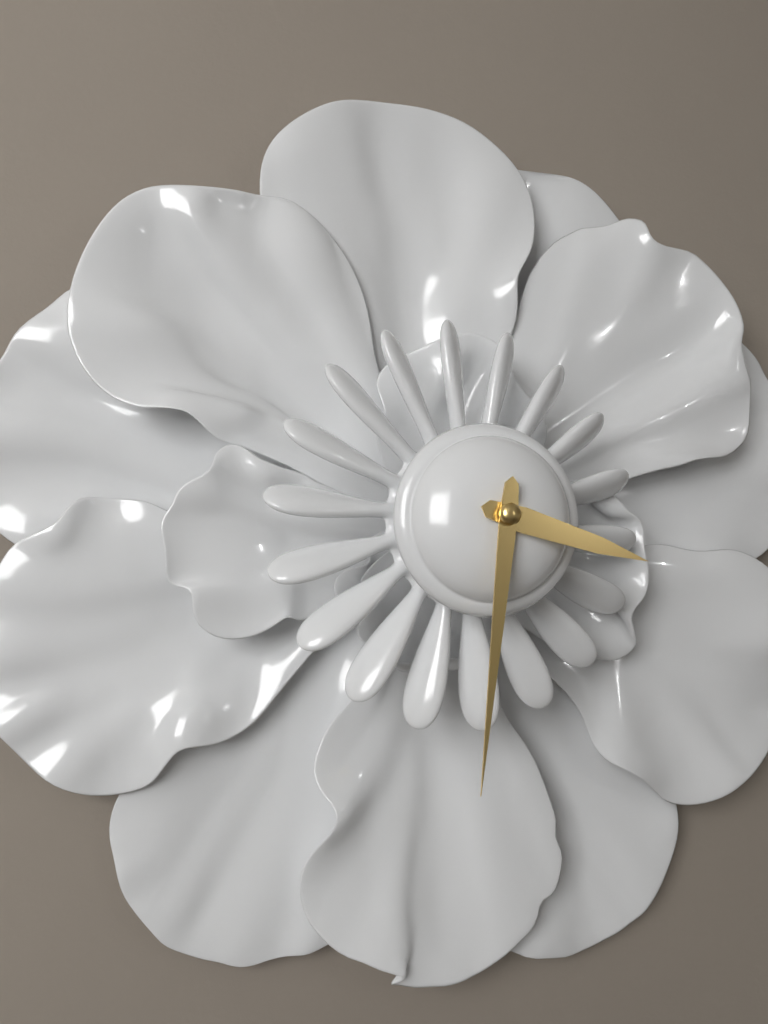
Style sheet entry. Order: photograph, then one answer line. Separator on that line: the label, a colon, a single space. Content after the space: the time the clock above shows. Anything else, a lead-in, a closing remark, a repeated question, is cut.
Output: 3:31
